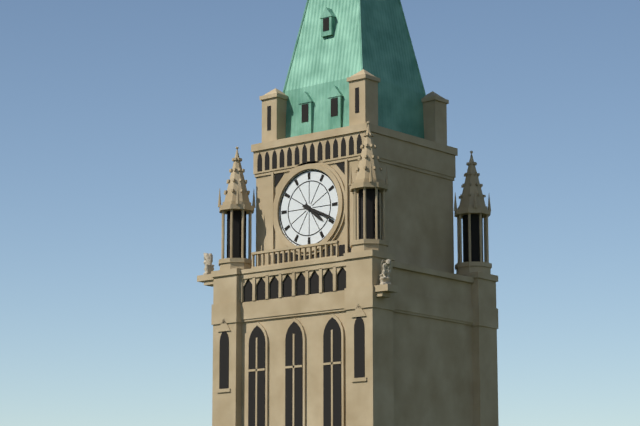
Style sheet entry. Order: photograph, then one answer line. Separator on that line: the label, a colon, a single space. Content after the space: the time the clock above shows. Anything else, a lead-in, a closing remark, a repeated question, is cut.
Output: 4:19
